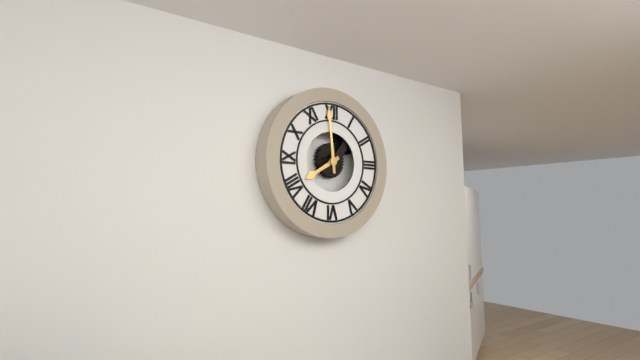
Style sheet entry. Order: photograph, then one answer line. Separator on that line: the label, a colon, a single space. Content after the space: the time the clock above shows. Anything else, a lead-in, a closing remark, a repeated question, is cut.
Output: 7:59
